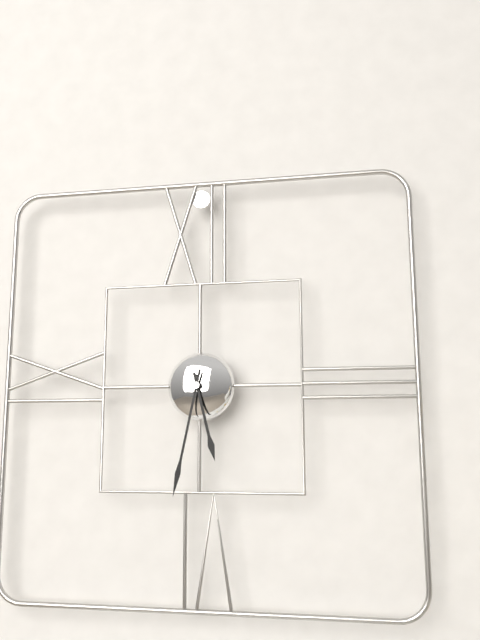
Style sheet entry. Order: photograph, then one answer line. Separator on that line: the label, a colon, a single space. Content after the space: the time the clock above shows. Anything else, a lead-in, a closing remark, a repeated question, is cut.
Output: 5:32
